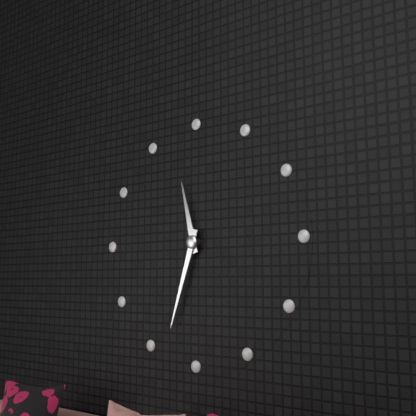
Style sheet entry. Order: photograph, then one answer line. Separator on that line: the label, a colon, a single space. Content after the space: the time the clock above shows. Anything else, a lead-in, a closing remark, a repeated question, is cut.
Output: 11:33
